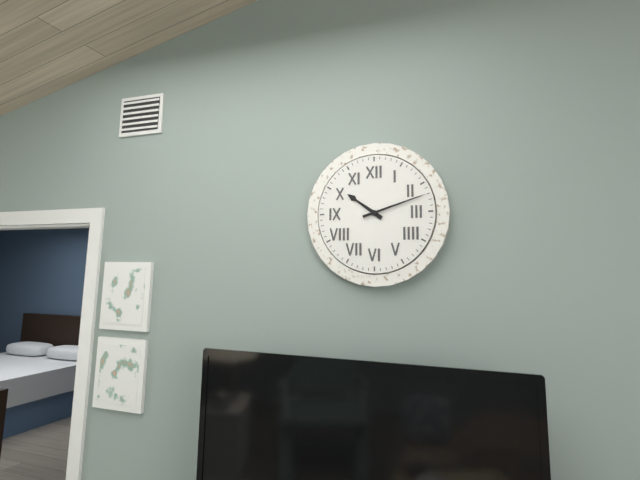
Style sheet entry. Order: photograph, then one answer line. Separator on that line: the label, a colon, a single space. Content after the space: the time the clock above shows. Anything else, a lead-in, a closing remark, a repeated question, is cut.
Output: 10:12
